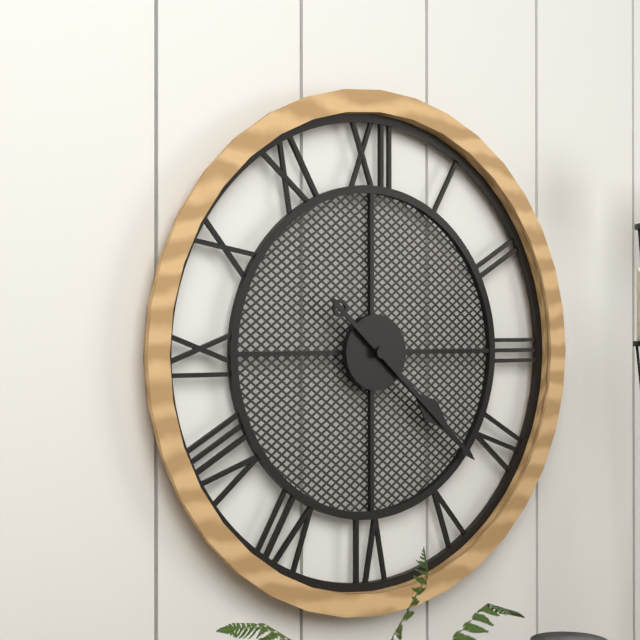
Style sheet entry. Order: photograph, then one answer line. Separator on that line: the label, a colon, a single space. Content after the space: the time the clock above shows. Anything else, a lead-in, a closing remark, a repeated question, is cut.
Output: 4:22
